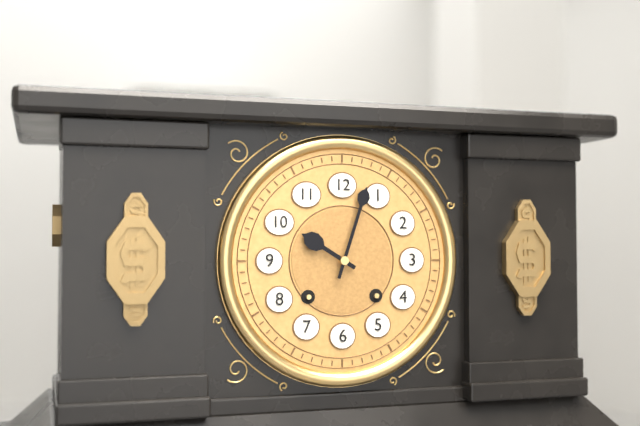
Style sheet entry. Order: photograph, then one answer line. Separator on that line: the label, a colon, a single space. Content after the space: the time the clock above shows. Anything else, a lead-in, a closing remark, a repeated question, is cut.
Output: 10:03
